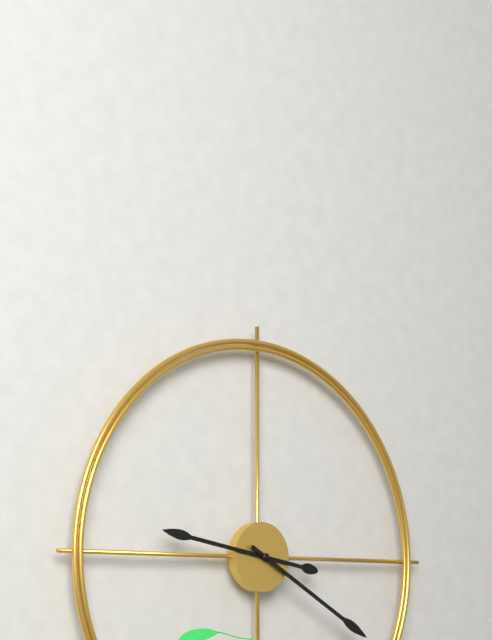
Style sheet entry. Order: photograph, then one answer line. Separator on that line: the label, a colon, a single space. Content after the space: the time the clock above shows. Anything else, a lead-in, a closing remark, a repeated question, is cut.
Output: 9:20
